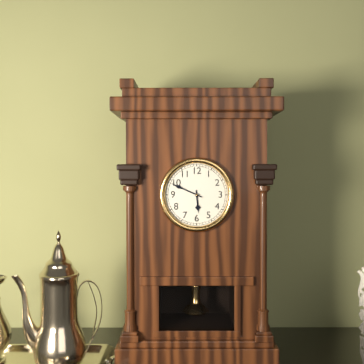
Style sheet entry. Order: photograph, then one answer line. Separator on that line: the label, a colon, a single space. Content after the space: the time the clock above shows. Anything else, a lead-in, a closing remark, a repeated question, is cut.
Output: 5:49
